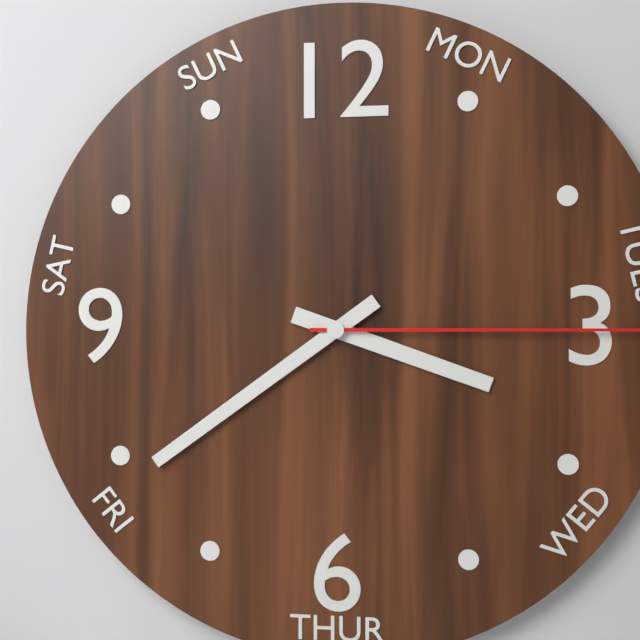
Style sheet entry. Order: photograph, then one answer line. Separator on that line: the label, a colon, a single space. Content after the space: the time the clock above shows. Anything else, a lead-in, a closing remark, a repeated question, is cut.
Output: 3:39
